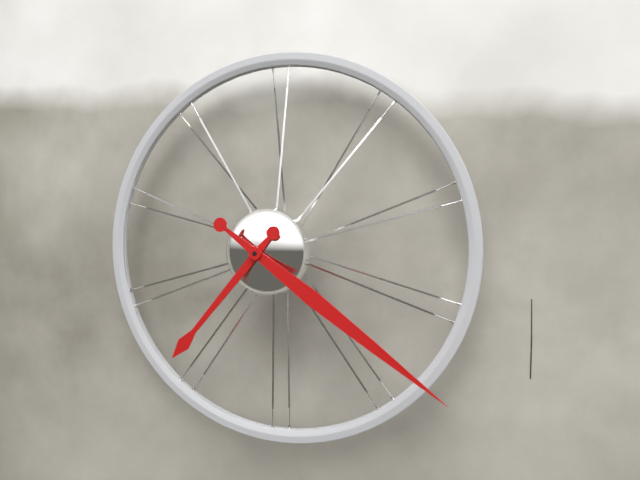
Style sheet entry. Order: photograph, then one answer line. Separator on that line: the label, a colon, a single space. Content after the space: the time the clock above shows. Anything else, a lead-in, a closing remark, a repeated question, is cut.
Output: 7:21
